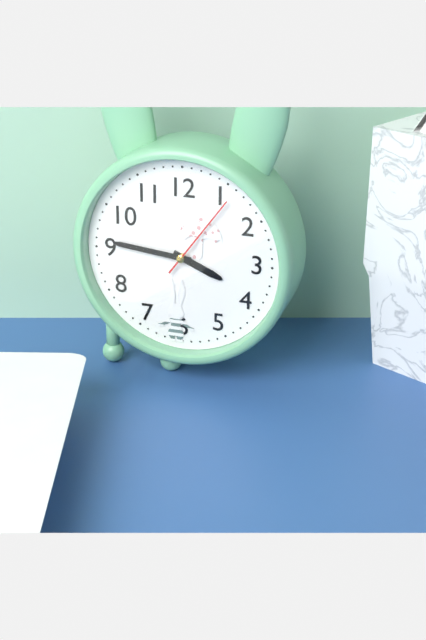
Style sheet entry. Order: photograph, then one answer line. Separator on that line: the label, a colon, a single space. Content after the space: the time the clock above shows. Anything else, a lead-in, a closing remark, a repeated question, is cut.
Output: 3:46:06
